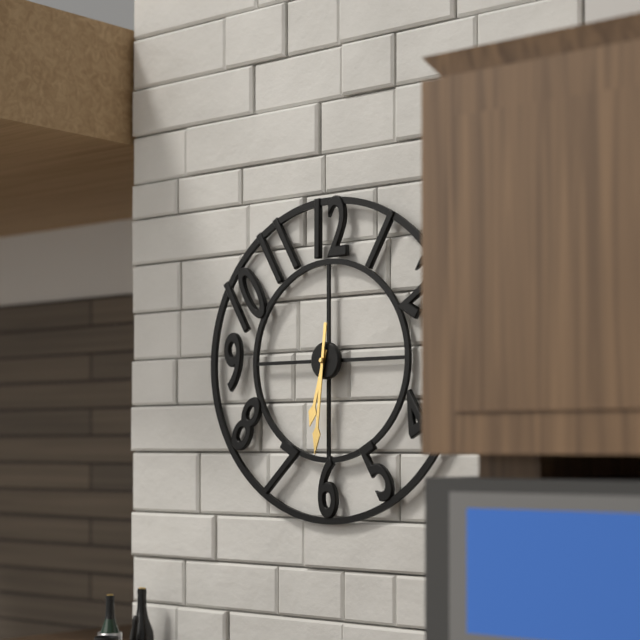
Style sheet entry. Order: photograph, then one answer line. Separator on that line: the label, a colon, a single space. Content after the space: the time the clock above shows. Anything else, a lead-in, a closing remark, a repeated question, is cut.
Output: 6:31
